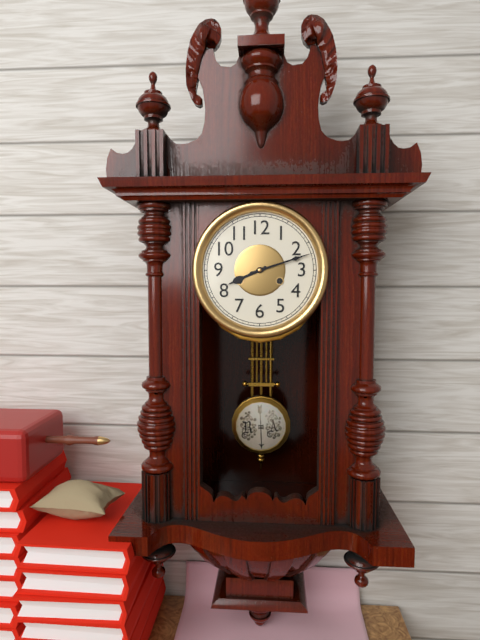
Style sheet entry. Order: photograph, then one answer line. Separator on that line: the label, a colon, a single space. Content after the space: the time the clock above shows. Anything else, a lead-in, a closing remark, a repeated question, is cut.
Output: 8:12
